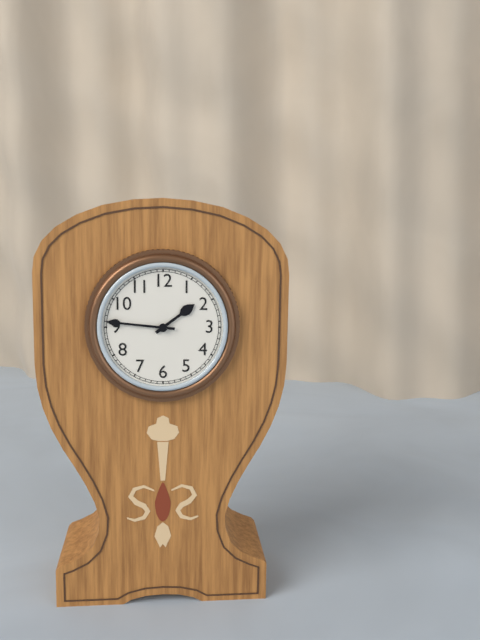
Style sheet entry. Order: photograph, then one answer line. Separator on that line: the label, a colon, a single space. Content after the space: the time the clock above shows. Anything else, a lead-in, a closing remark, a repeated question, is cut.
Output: 1:46
